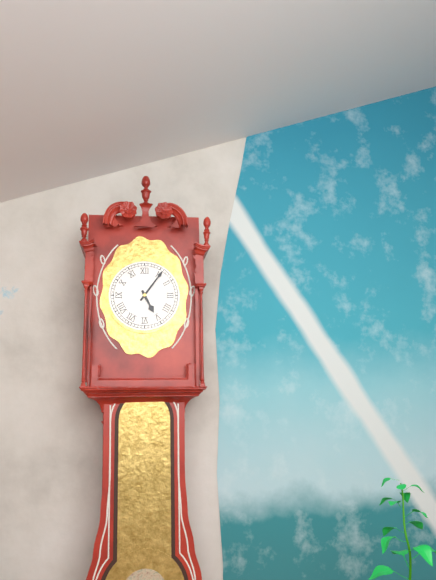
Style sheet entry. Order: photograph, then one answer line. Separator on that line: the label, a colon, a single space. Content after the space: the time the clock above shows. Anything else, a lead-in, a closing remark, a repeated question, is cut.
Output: 5:06
